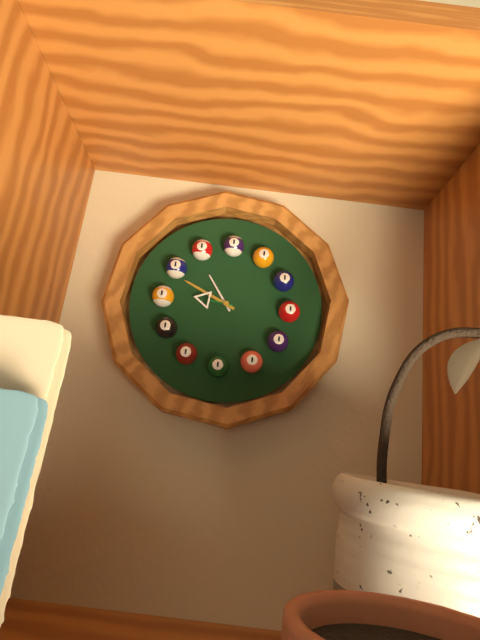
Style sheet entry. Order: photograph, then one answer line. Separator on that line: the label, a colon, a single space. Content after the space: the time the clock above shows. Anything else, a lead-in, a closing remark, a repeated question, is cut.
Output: 10:49
